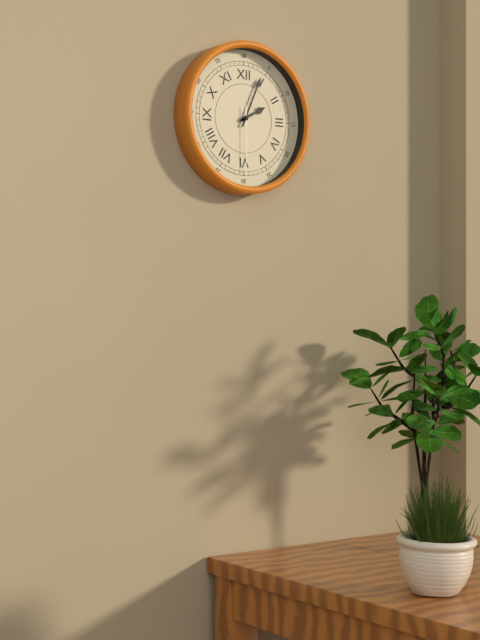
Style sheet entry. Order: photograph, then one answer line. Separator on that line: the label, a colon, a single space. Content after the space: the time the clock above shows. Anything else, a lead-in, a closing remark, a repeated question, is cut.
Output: 2:04:30
